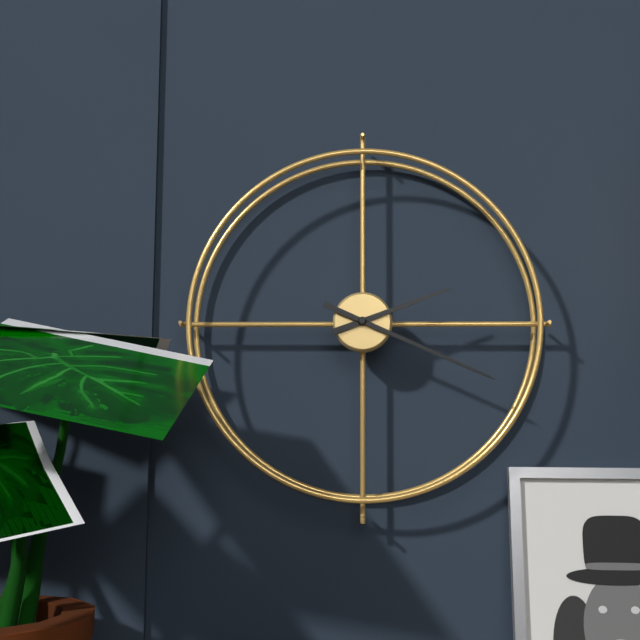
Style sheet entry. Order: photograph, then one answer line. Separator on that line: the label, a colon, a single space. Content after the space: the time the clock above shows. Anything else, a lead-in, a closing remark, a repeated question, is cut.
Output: 2:19
